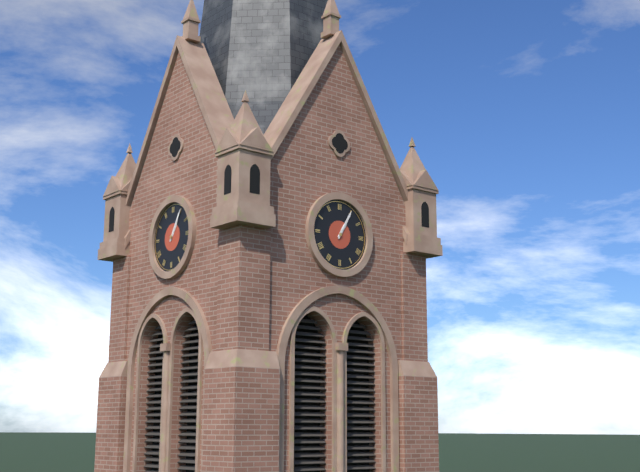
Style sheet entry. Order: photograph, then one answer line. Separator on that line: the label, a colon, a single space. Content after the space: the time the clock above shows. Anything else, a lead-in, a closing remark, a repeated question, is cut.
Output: 1:05
